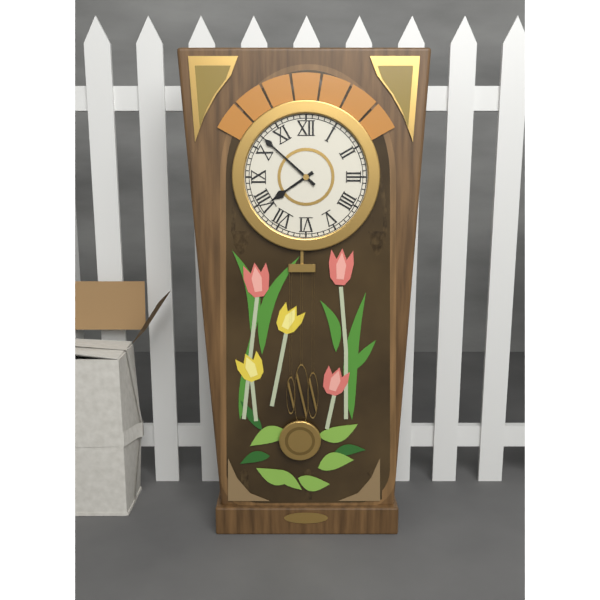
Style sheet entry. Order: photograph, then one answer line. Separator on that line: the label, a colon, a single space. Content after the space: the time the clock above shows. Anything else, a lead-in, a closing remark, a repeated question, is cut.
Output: 7:52
